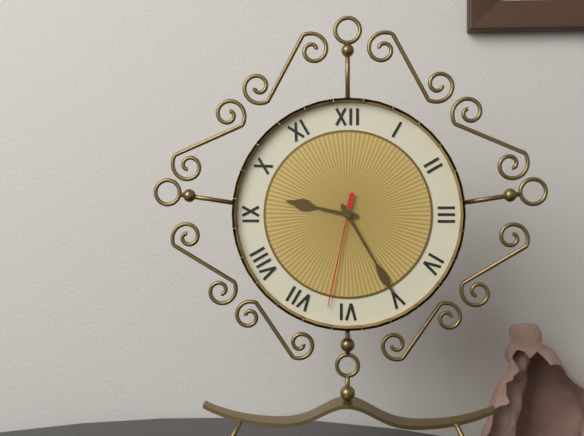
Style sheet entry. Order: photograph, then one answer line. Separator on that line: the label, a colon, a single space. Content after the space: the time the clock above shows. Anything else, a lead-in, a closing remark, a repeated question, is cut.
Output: 9:25:32
